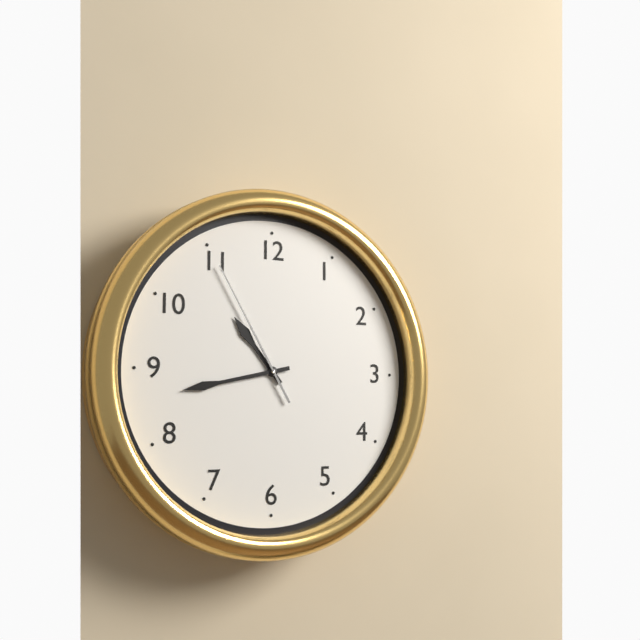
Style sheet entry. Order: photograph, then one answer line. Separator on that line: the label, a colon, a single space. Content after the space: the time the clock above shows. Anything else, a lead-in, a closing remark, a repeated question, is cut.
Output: 10:43:55
